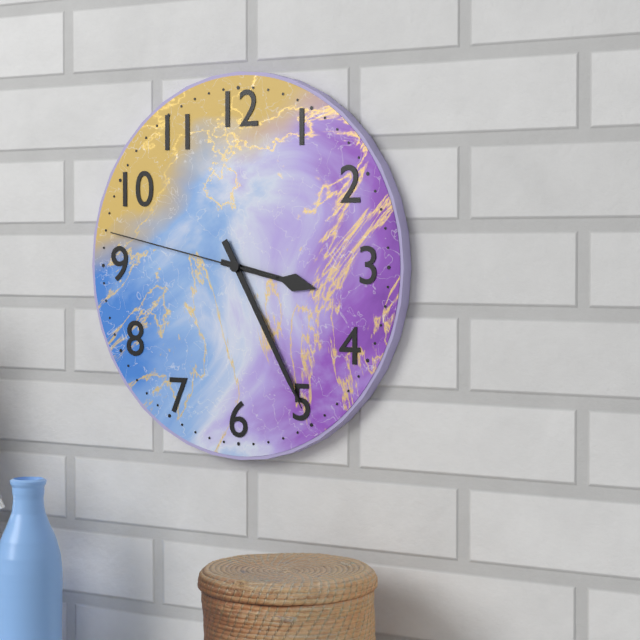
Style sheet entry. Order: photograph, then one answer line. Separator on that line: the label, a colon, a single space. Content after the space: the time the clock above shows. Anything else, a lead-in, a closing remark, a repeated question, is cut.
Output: 3:25:47
